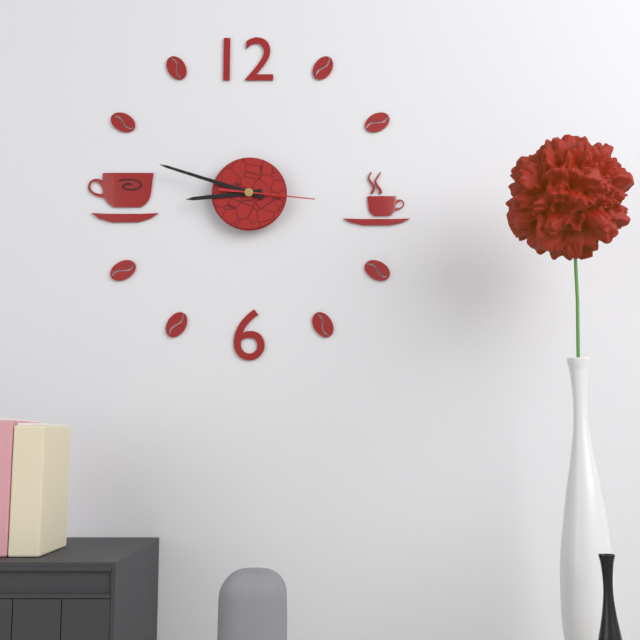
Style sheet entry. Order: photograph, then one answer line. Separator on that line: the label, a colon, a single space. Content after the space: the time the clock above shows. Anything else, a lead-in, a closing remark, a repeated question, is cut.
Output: 8:48:16
